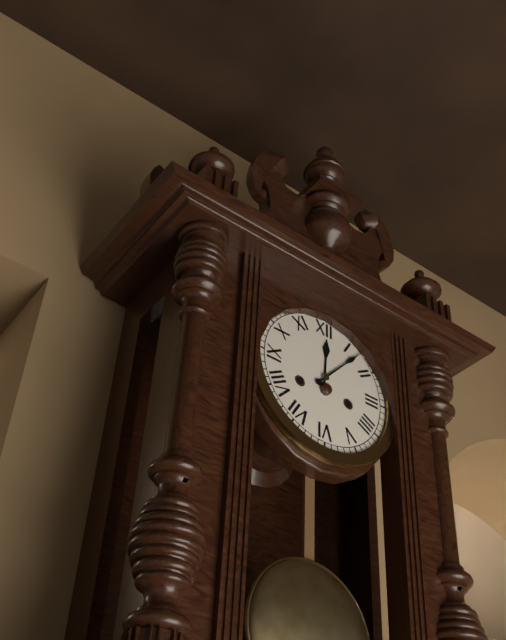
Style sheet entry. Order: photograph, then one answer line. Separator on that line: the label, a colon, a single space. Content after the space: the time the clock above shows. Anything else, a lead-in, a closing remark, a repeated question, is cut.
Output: 12:07
